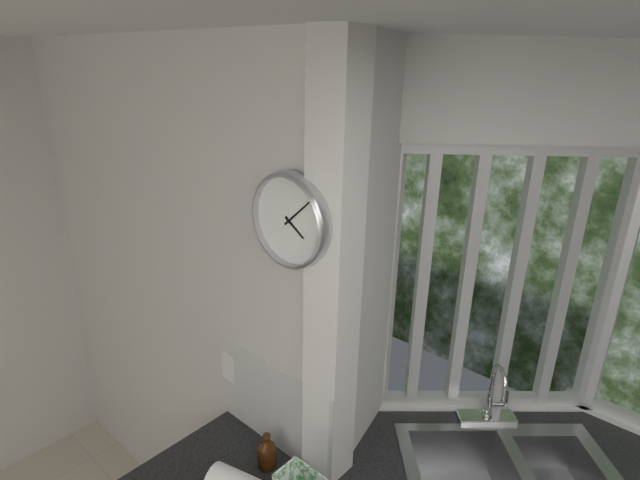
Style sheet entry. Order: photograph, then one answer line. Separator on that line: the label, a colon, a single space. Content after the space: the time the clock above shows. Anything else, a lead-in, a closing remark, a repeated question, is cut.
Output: 4:08
